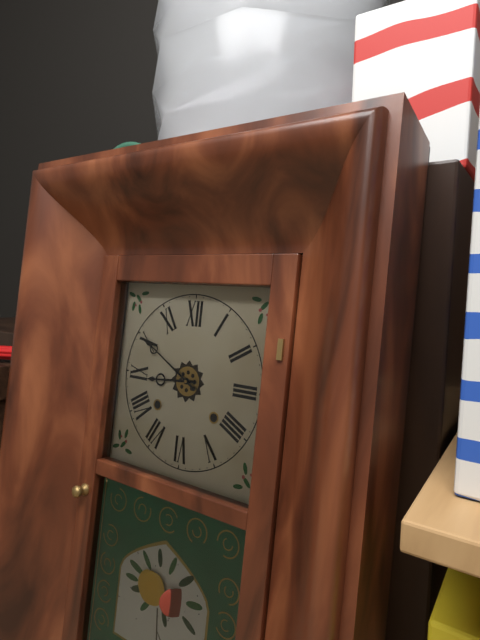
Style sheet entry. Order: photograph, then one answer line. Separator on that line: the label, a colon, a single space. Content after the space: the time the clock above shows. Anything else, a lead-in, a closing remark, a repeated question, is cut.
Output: 8:50
